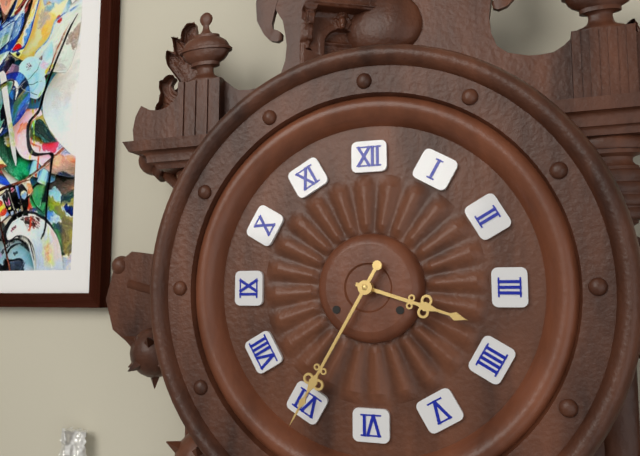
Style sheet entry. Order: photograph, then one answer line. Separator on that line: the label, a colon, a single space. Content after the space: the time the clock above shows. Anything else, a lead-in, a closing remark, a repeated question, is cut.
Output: 3:35
